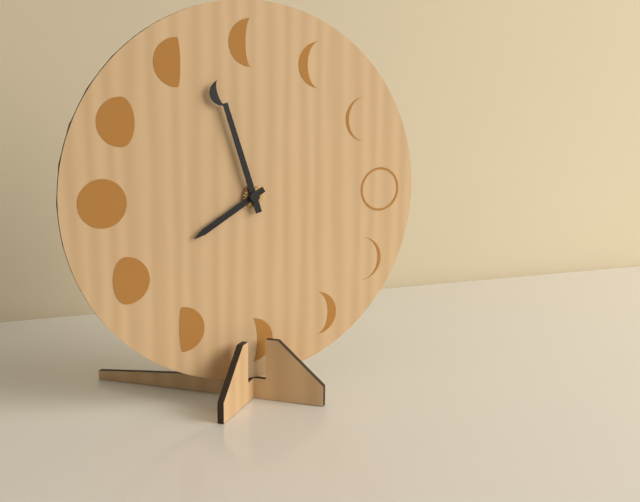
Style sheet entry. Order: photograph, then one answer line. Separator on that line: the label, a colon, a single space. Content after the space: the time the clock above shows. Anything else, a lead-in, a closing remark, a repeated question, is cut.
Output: 7:57
